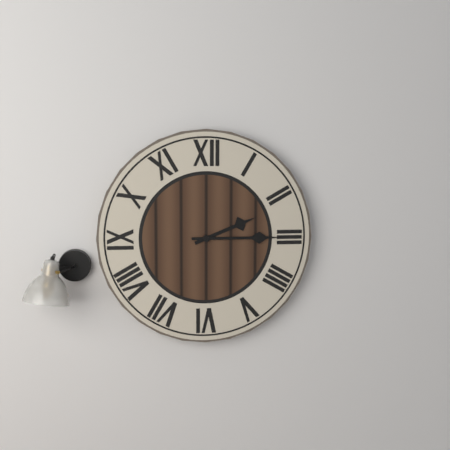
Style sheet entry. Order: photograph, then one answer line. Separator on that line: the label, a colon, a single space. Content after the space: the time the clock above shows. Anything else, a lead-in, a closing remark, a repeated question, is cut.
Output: 2:15
